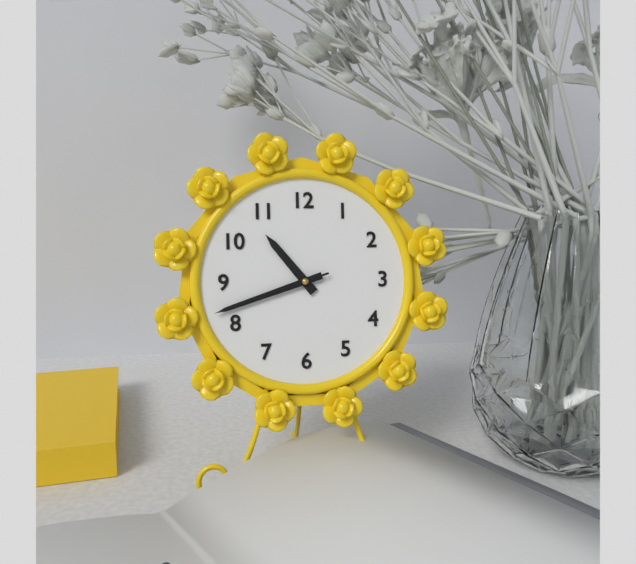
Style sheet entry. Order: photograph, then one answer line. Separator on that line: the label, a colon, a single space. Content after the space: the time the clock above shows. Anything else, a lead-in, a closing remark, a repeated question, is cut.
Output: 10:42:42
